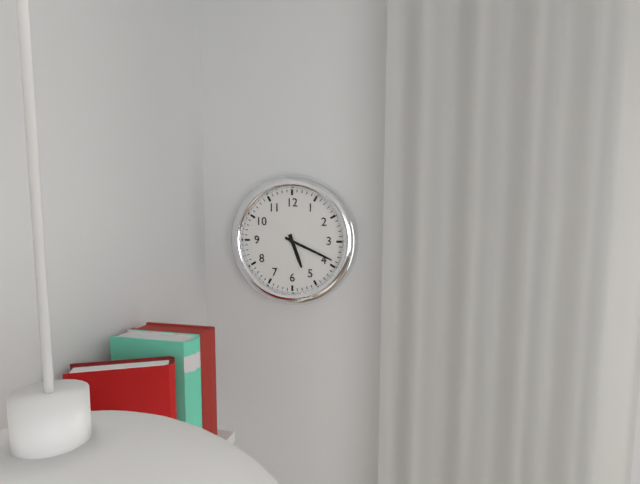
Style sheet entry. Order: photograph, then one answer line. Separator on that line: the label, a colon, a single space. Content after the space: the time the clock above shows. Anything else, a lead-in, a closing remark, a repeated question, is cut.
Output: 5:19
